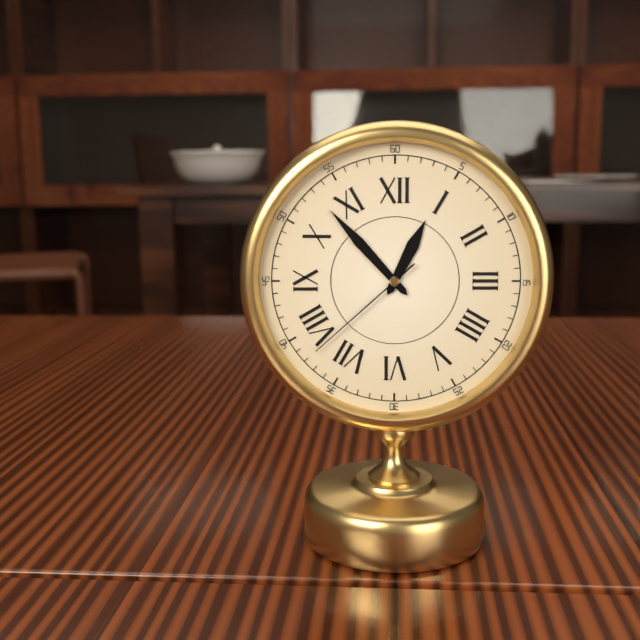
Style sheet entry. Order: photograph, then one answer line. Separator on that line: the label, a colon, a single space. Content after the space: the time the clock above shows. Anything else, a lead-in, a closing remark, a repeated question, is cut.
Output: 12:53:38
